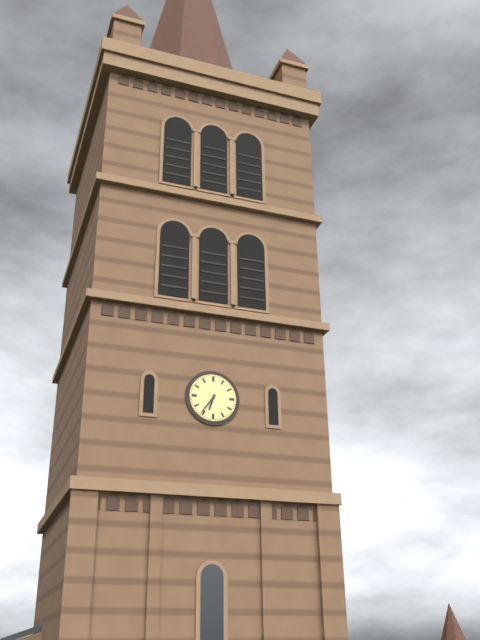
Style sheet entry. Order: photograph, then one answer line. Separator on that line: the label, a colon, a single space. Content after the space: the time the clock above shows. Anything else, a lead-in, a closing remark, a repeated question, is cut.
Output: 6:36
